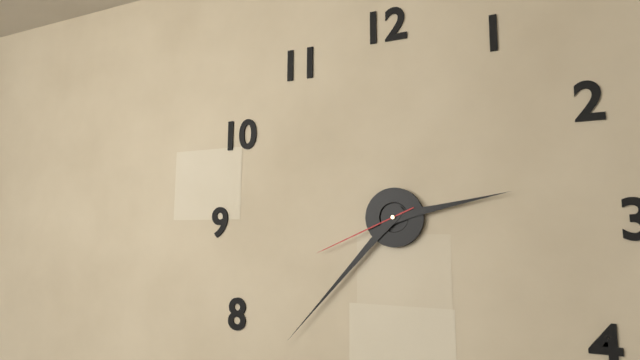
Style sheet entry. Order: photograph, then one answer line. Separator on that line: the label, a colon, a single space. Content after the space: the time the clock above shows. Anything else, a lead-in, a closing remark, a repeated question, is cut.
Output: 2:37:41
